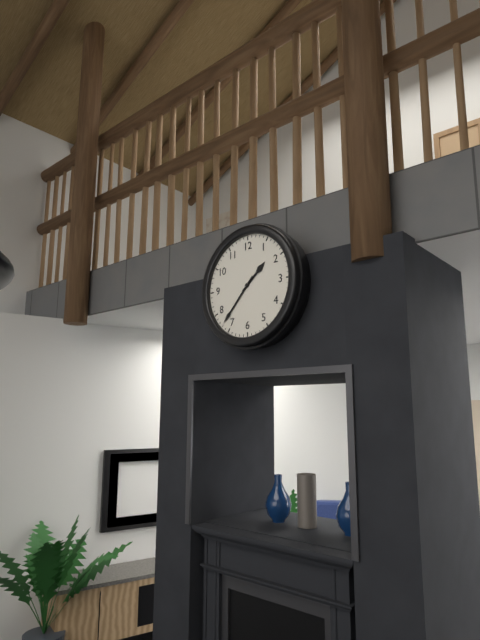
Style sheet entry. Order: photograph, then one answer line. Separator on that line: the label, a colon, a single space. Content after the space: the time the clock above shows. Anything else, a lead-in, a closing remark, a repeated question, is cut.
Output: 1:37
